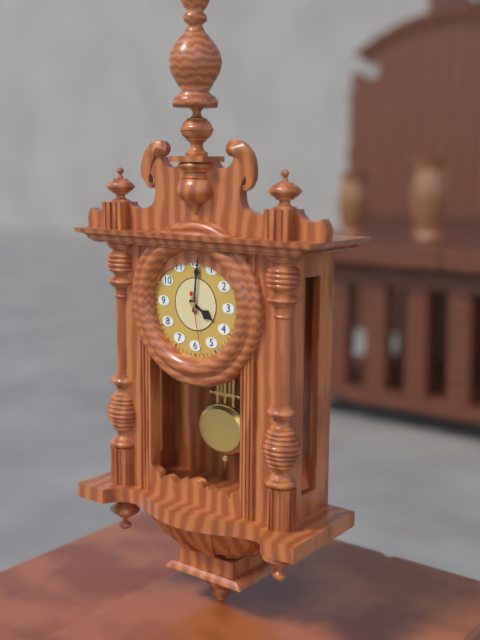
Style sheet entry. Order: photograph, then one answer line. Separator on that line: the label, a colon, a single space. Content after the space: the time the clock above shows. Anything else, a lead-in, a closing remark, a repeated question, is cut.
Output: 4:01:28
